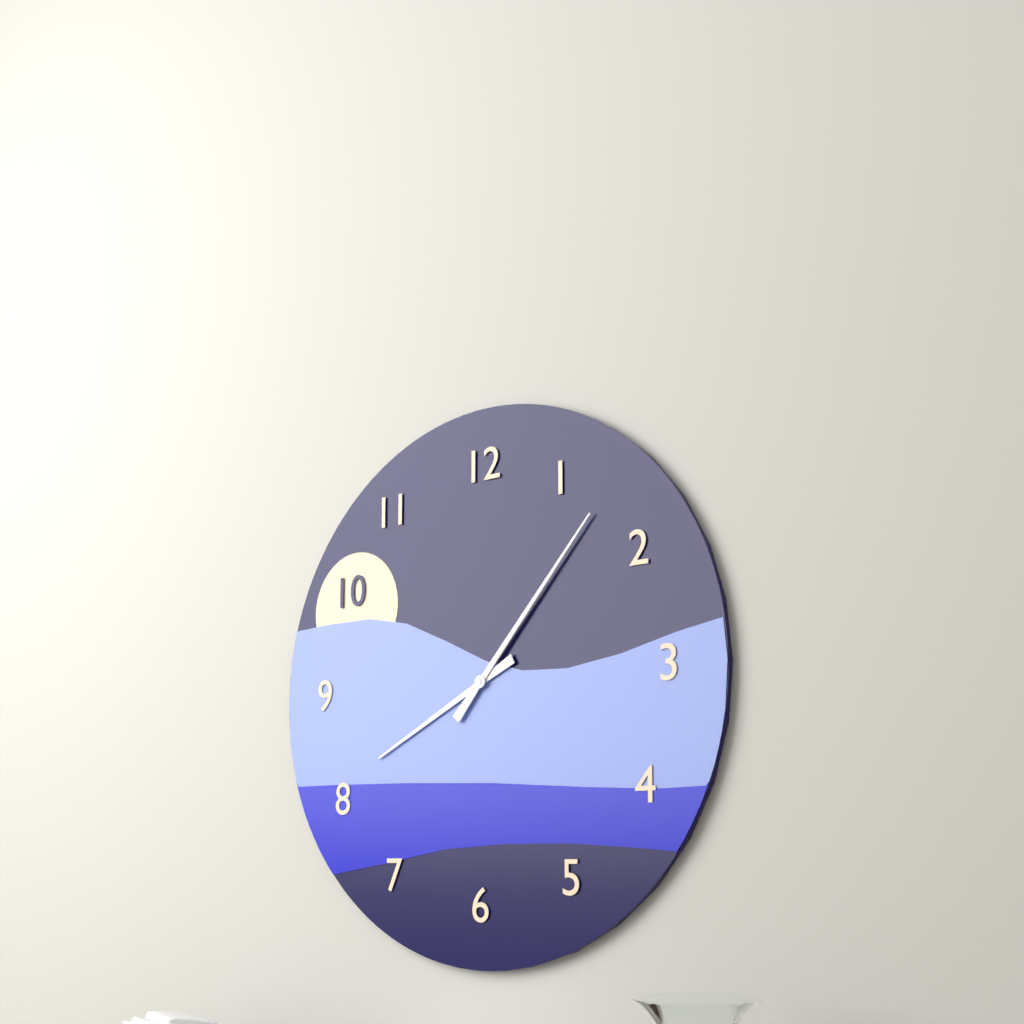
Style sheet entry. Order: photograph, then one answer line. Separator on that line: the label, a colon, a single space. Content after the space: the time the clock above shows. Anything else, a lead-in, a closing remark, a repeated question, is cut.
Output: 8:07
